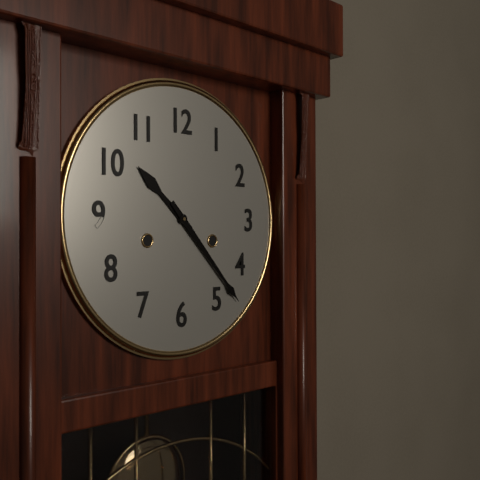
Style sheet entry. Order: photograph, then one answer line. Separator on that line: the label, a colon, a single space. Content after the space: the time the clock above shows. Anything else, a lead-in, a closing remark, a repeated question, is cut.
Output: 10:23
